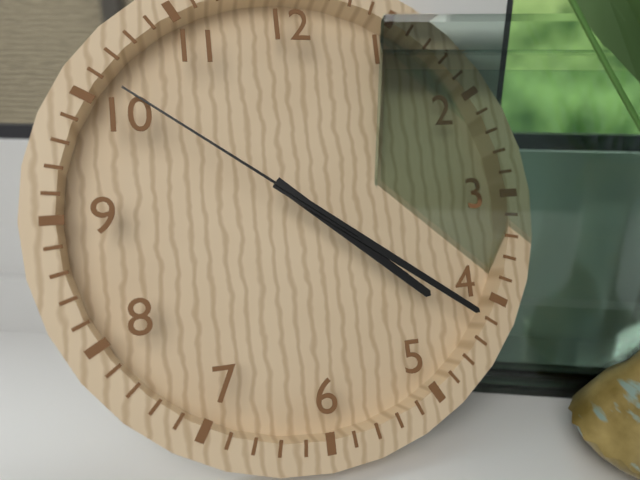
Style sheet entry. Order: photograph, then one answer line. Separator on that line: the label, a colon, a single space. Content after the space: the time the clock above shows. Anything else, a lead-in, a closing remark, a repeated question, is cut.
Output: 4:21:51
